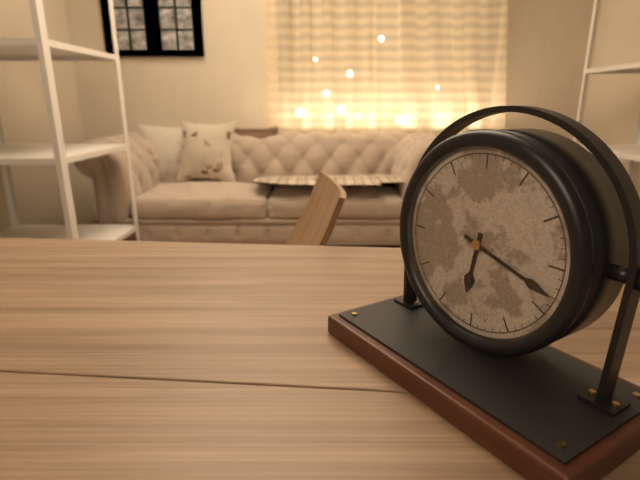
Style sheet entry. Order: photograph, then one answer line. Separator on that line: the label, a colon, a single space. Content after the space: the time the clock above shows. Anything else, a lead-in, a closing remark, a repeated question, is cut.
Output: 6:18
